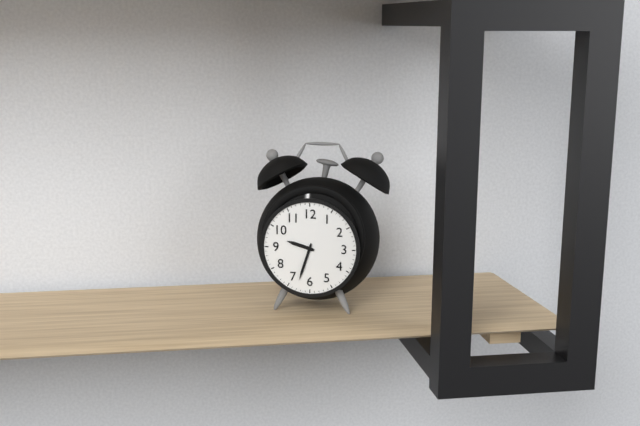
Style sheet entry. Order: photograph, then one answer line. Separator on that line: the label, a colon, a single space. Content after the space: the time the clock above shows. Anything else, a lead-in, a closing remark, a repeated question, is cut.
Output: 9:33
